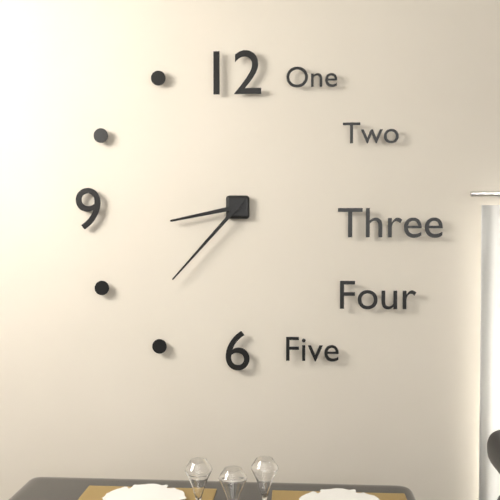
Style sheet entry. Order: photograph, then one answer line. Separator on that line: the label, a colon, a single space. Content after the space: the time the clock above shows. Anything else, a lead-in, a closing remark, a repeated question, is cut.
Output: 8:37
